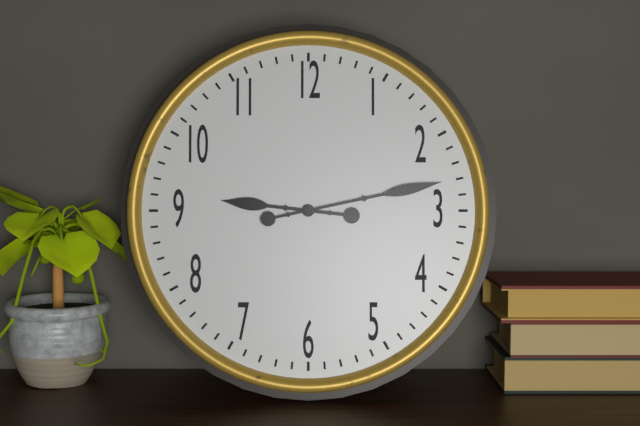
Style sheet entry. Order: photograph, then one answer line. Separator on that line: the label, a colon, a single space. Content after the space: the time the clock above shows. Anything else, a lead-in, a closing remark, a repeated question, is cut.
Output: 9:13
